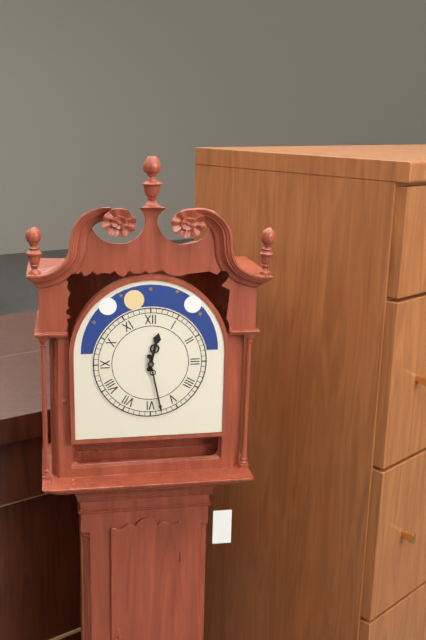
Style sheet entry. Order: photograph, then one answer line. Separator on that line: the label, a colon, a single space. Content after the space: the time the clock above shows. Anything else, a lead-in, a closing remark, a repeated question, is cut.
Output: 12:28
